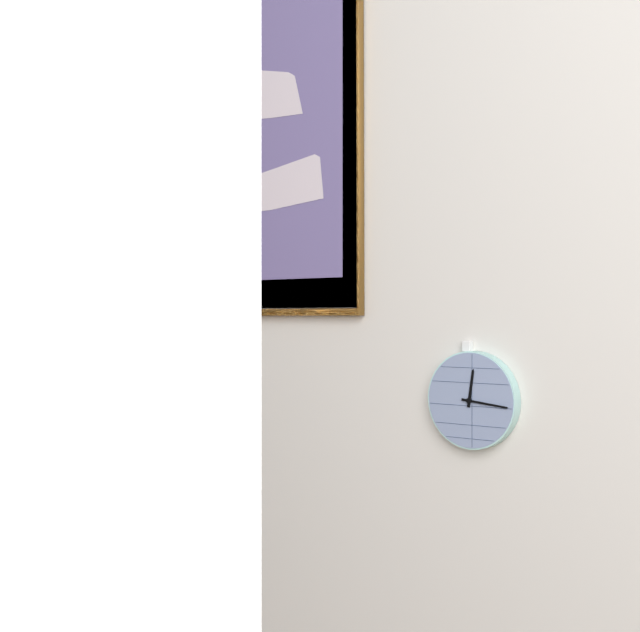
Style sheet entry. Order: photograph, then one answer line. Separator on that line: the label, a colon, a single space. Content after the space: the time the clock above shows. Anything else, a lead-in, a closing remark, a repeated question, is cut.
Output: 12:16
